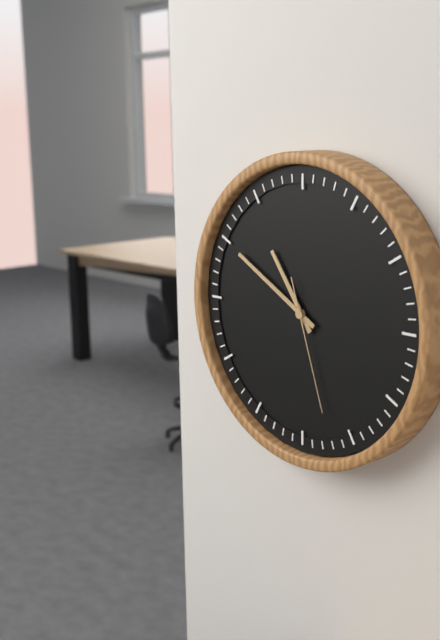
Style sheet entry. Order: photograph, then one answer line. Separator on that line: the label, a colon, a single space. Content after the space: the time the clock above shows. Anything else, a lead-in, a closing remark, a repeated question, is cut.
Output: 10:50:27
